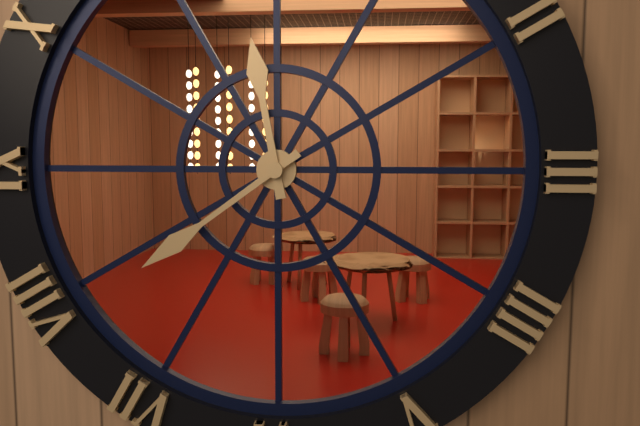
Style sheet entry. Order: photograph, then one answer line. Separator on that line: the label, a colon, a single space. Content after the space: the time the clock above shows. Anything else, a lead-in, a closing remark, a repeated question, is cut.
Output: 11:39
